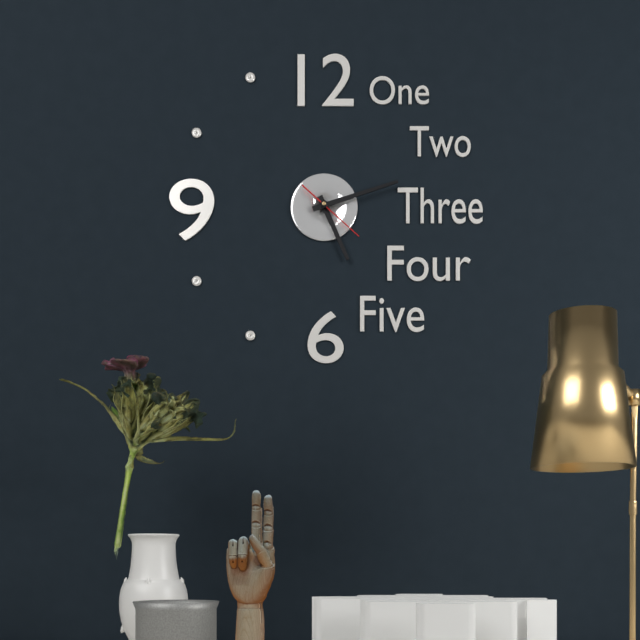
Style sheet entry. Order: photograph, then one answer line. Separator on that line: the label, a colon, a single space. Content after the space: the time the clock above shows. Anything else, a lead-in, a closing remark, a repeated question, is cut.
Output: 5:12:22
